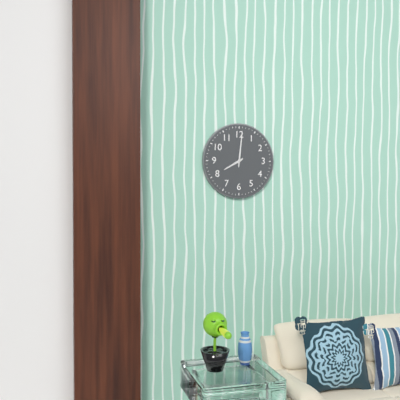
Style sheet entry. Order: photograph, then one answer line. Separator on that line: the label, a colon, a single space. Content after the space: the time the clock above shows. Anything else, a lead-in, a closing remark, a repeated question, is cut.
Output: 8:01
